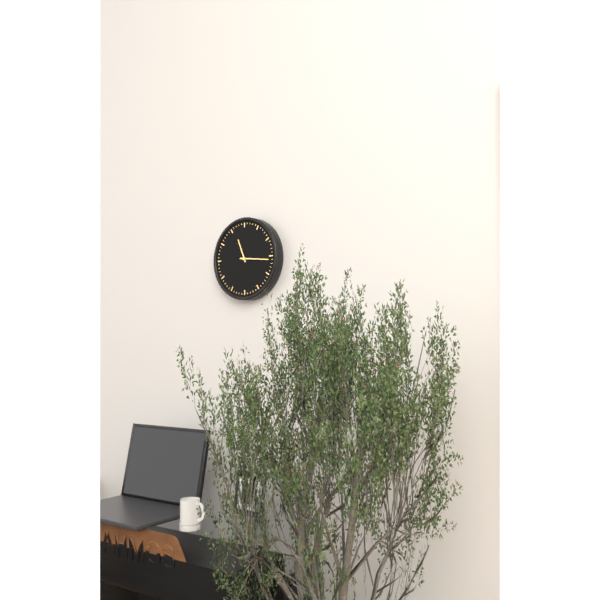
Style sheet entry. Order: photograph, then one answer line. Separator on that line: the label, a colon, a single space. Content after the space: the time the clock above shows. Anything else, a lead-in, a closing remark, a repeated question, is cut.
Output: 11:16
